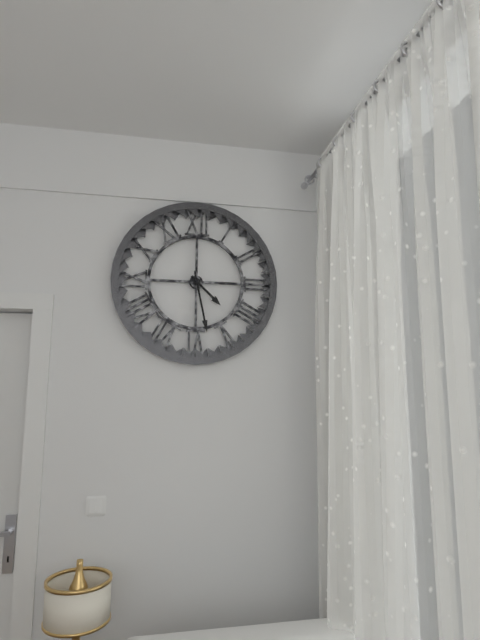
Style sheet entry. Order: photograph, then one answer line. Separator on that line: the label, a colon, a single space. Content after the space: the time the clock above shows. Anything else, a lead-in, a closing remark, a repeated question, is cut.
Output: 4:28
